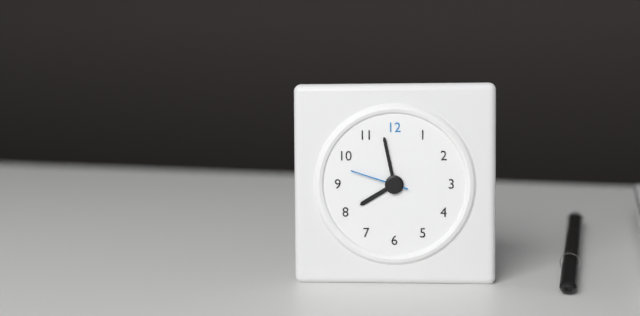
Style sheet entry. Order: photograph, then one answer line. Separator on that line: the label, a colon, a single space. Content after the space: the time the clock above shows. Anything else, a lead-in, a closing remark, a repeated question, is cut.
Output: 7:58:48
